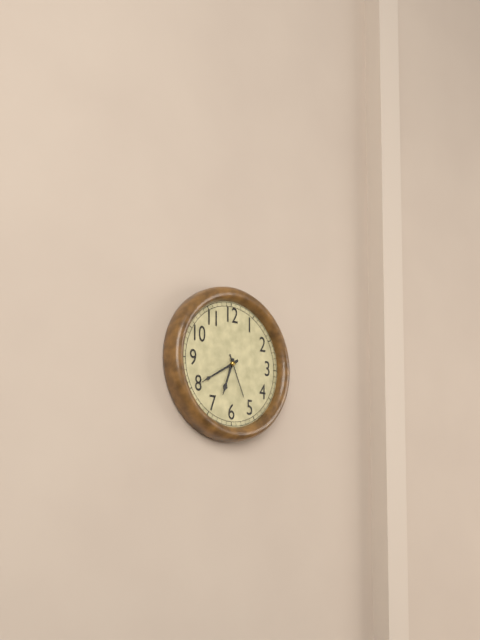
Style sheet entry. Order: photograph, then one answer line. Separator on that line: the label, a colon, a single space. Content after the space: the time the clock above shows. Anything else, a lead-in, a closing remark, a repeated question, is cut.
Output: 6:40
